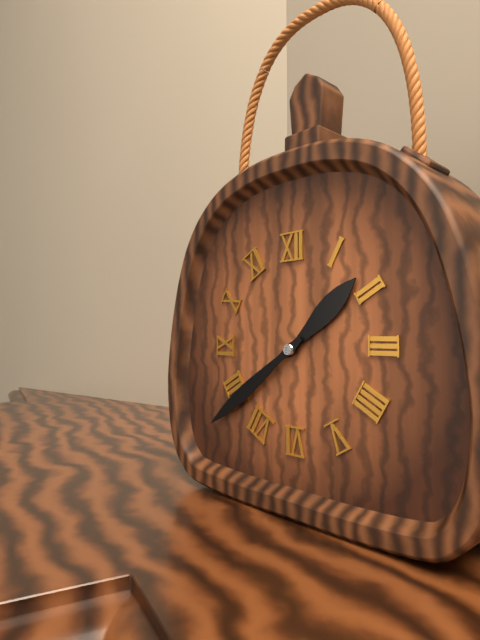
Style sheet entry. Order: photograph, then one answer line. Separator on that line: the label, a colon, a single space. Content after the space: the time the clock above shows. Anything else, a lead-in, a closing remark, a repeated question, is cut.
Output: 1:39
